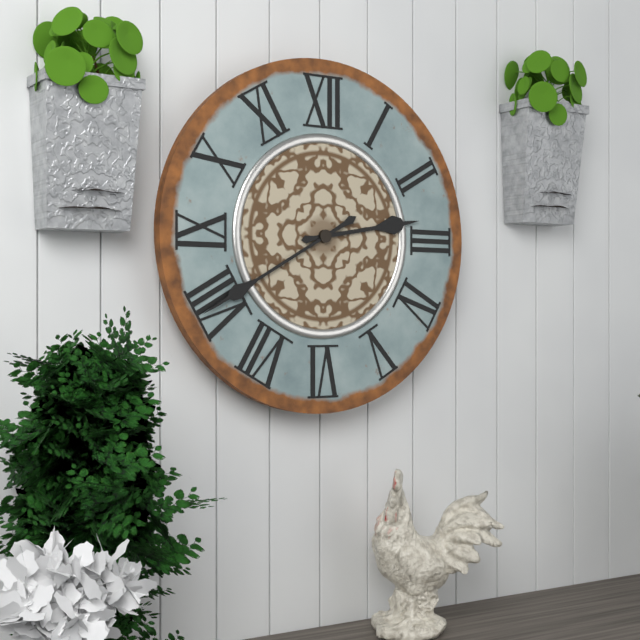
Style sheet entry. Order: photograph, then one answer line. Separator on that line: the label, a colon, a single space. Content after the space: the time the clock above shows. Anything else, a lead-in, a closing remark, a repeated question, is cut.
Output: 2:40
